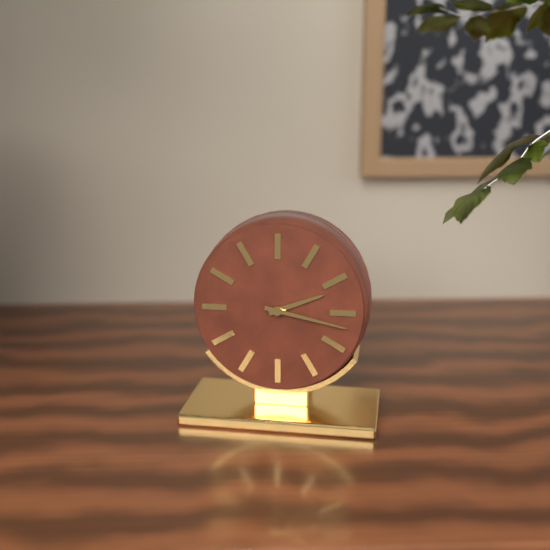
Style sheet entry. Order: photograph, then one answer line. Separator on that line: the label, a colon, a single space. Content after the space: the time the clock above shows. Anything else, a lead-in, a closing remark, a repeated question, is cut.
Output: 2:17
